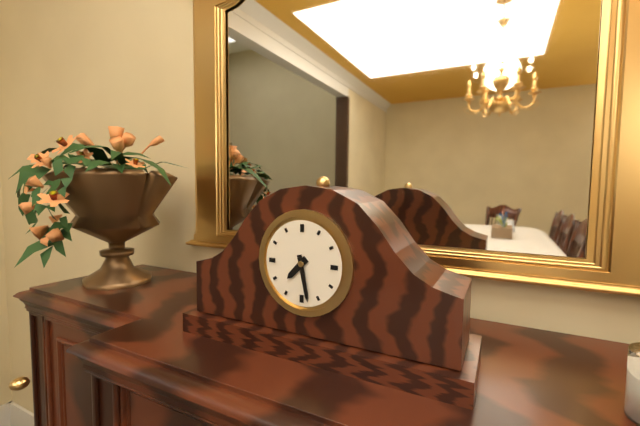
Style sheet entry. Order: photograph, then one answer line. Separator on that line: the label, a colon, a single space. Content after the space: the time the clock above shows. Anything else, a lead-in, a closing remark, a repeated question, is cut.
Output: 7:28
